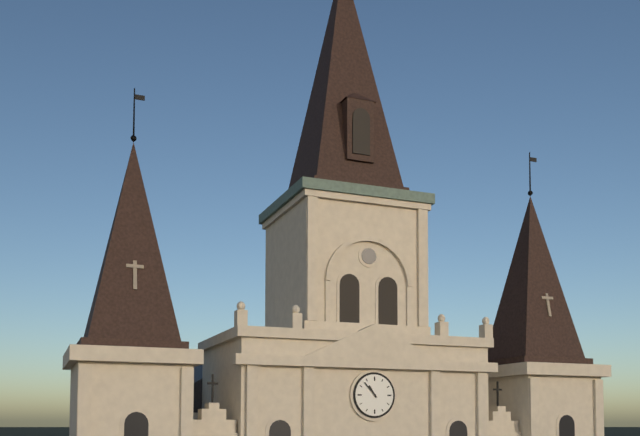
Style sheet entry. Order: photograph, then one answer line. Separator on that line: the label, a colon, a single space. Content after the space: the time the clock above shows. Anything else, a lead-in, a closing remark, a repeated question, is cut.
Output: 10:53
